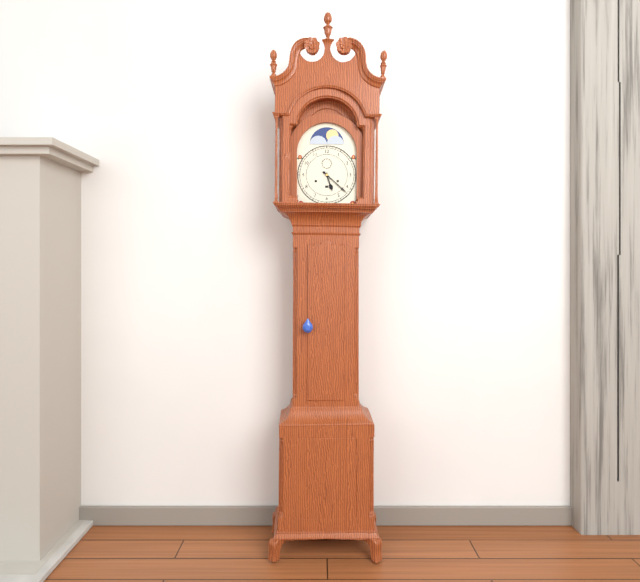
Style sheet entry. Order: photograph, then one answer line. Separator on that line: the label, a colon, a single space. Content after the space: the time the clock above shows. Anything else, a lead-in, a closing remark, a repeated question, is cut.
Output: 5:22
